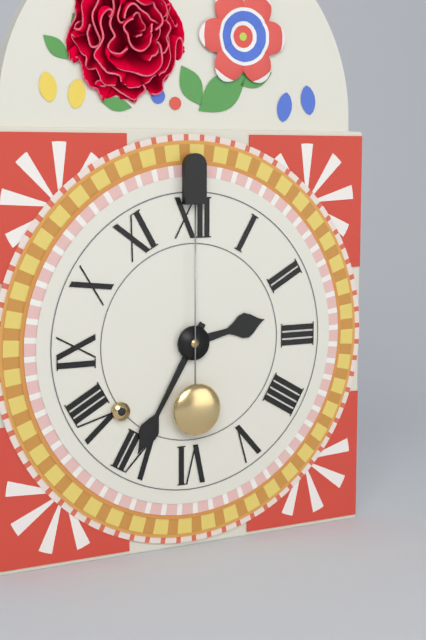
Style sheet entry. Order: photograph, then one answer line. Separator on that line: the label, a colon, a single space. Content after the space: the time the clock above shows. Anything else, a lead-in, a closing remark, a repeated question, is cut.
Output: 2:35
